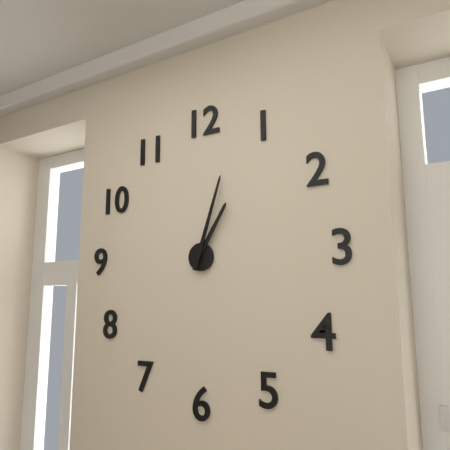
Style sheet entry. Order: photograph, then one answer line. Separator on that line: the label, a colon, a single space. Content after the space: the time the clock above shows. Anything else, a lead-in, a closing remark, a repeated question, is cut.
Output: 1:03
